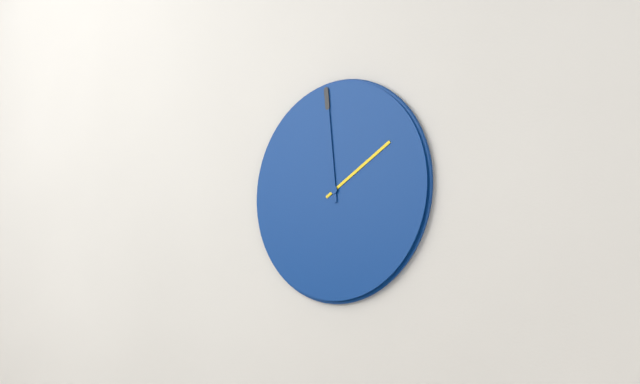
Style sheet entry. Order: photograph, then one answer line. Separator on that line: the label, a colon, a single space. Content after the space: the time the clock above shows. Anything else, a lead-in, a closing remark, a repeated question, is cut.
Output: 1:59
